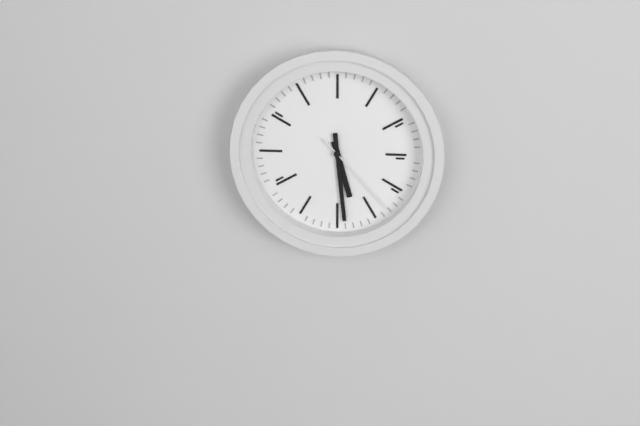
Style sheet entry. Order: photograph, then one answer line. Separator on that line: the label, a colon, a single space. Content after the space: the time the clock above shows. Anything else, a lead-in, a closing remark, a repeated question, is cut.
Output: 5:29:23
